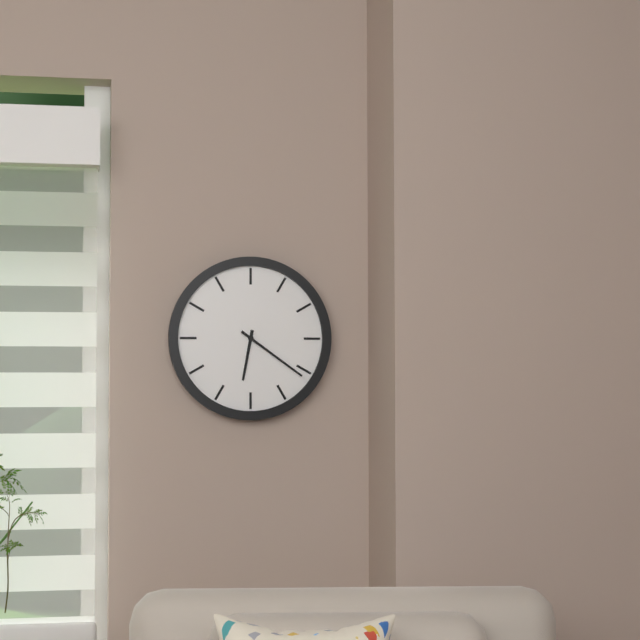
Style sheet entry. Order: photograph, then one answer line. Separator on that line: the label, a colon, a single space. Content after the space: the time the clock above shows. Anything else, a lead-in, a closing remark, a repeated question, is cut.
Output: 6:21
